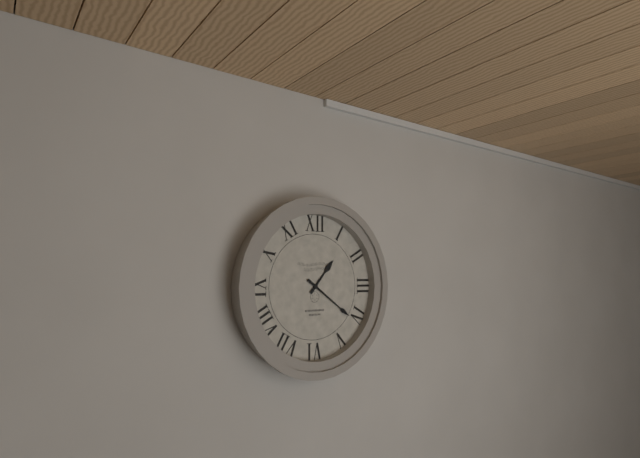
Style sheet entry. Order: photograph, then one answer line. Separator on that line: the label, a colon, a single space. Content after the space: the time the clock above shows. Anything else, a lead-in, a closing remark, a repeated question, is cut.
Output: 1:21
